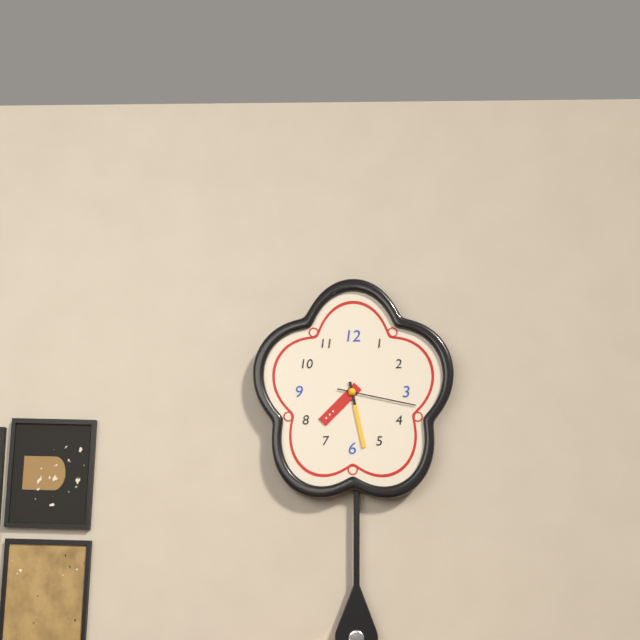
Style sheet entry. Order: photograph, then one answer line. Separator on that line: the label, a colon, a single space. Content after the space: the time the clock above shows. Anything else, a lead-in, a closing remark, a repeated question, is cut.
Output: 7:28:17
